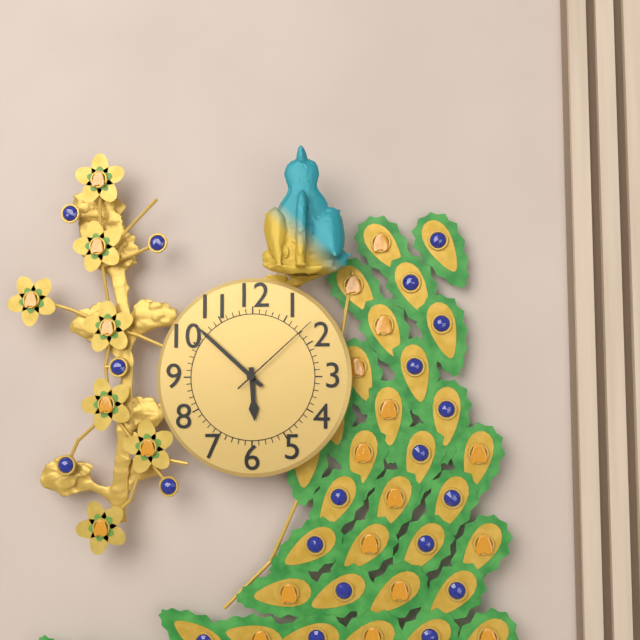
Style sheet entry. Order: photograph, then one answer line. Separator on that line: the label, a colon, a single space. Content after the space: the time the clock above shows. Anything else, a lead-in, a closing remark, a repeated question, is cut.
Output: 5:52:08
